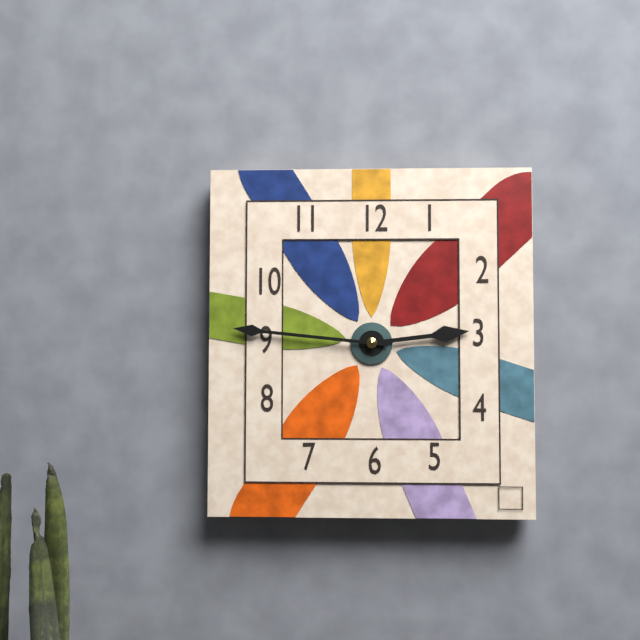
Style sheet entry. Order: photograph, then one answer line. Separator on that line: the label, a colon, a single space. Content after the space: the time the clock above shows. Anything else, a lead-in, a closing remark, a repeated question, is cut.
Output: 2:46
